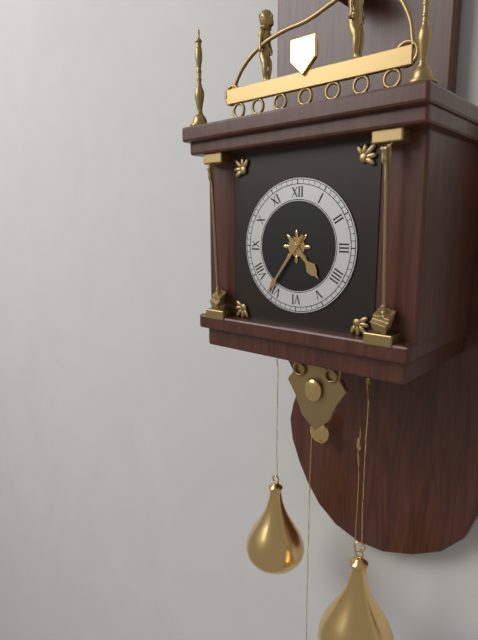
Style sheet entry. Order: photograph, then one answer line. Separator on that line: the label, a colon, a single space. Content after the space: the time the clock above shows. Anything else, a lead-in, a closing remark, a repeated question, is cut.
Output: 4:36
